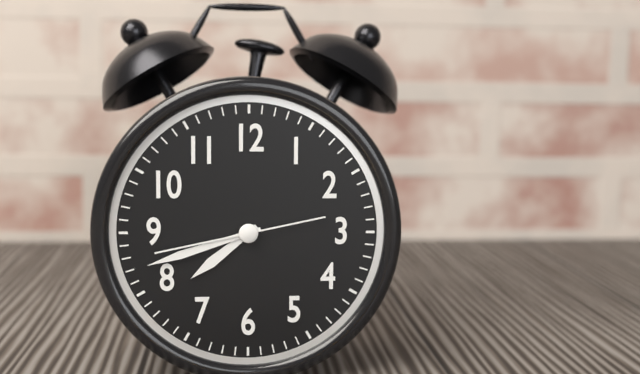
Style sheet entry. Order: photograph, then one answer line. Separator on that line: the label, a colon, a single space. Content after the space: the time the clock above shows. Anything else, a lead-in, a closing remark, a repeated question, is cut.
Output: 7:42:43
